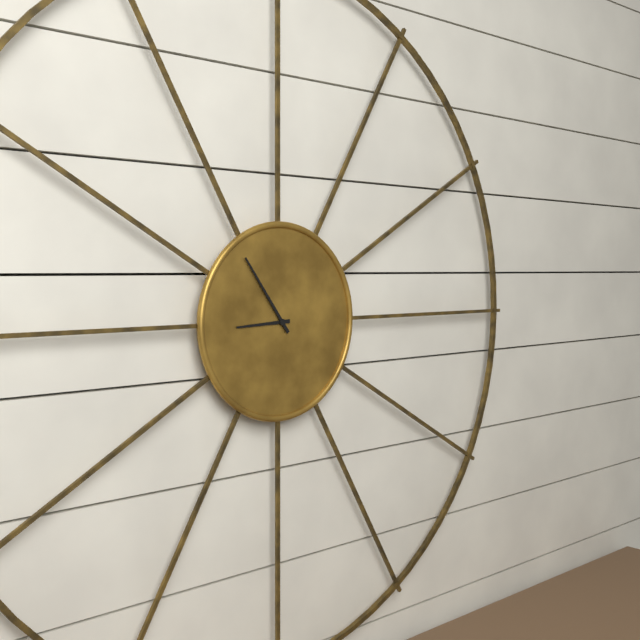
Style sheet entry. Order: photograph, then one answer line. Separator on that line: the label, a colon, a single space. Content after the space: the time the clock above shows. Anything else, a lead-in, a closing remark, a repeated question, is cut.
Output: 8:54
